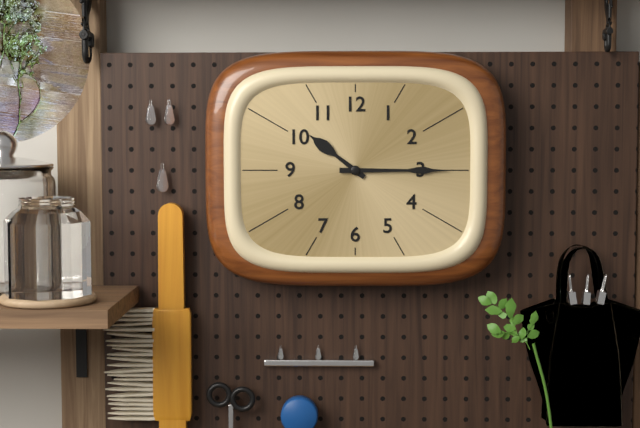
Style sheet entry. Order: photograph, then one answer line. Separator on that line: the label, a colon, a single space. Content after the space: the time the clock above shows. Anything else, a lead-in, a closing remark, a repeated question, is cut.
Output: 10:15
